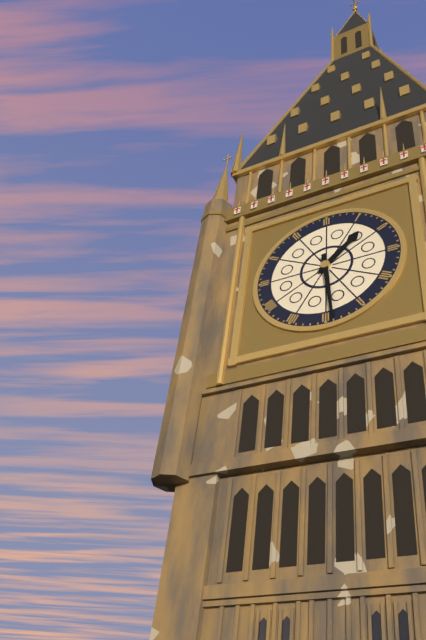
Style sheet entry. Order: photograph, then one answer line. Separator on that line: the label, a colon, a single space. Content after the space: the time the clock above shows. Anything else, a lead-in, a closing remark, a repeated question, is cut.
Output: 1:29
